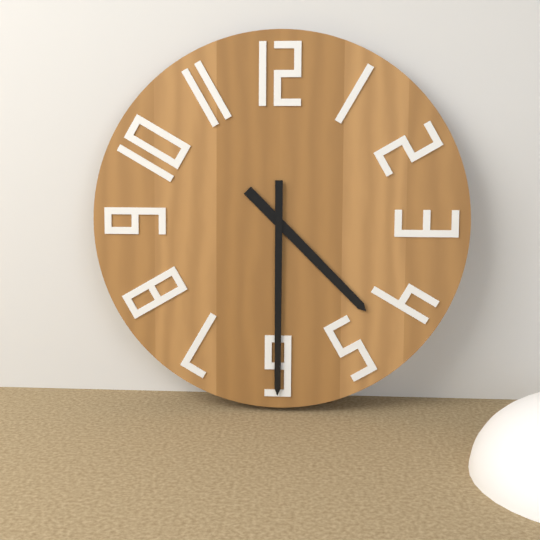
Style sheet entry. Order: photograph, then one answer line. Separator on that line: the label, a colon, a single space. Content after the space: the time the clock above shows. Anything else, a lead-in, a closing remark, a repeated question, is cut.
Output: 4:30
